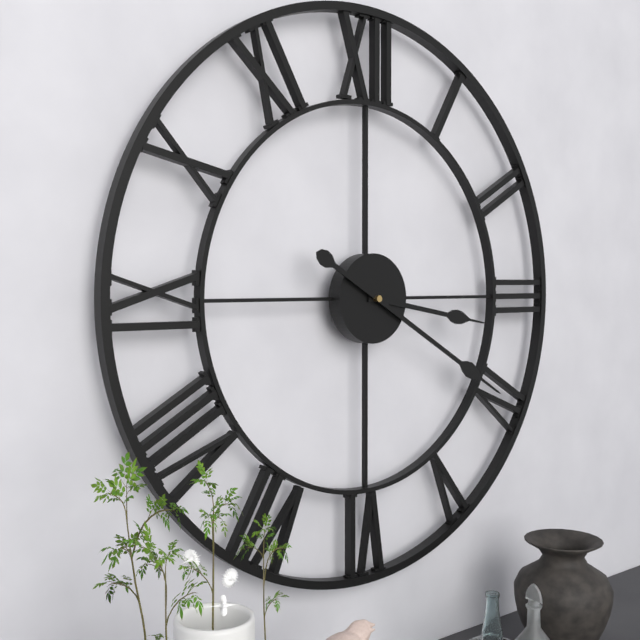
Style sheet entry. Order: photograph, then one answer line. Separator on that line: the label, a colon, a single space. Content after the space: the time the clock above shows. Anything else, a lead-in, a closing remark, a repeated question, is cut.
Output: 3:20
